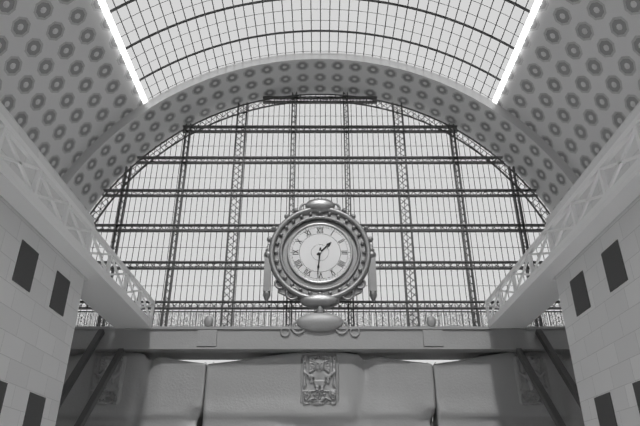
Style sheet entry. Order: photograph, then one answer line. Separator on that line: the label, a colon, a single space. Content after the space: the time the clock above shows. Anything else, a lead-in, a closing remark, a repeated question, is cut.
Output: 1:31
